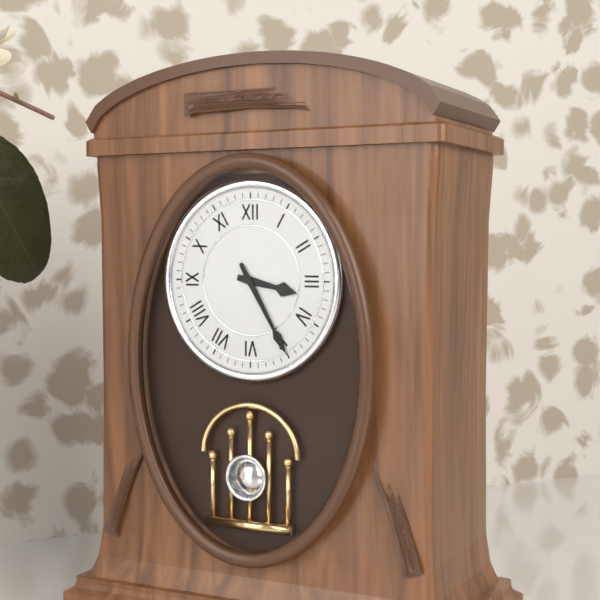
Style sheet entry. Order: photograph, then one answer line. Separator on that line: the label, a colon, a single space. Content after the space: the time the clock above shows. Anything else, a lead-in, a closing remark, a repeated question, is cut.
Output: 3:25
